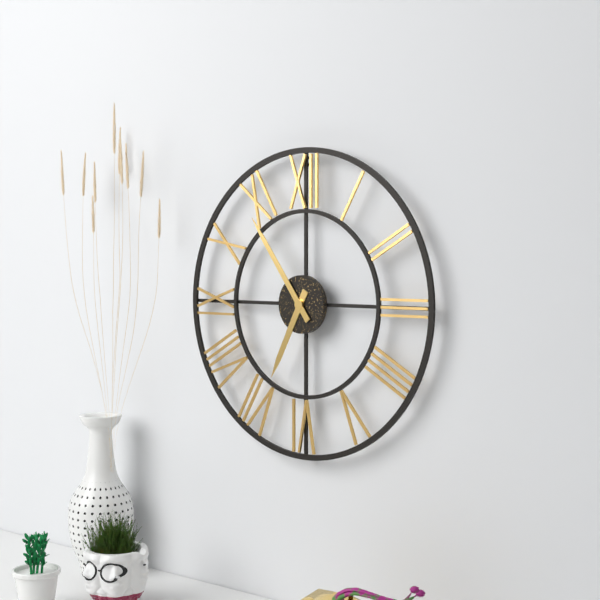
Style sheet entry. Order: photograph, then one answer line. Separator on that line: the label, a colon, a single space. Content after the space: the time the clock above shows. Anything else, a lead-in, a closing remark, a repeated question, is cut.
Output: 6:54
